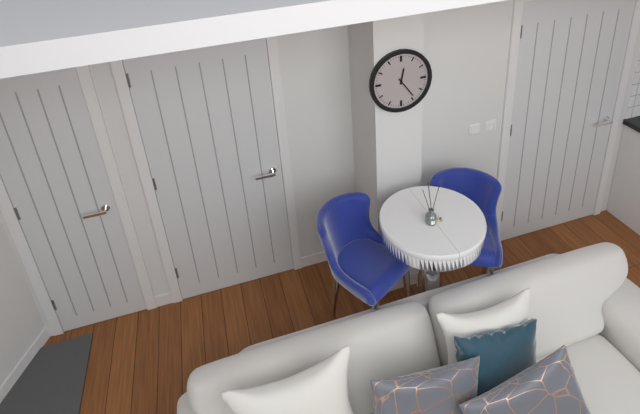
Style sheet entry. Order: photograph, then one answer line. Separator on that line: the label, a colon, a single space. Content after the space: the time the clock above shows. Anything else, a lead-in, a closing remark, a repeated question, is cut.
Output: 12:24
